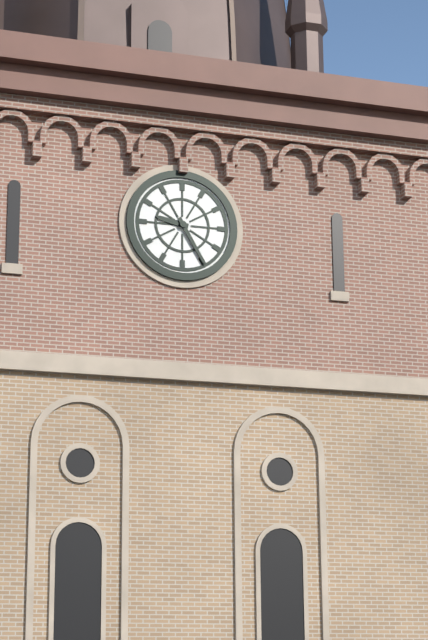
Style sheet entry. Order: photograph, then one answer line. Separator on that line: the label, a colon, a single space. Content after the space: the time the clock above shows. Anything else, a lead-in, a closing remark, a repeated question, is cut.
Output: 9:25
